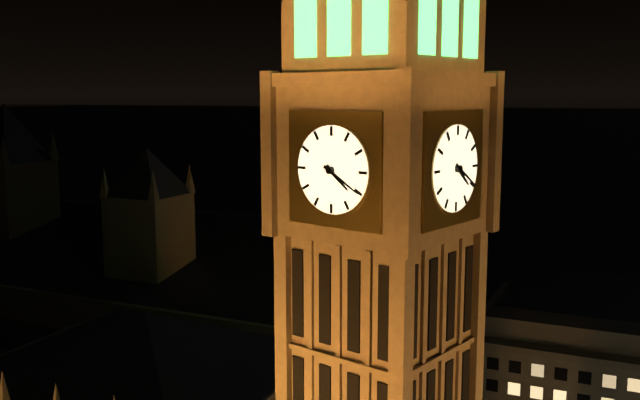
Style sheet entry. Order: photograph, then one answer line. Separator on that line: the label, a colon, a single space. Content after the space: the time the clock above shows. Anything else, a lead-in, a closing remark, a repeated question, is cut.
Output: 4:20
